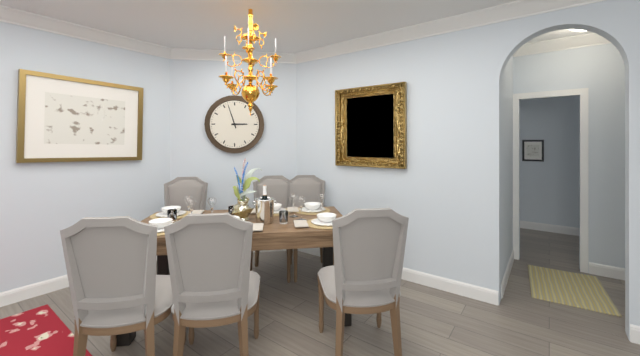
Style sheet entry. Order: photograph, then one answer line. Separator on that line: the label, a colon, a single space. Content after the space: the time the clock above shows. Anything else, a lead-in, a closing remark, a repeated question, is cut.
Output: 2:57
